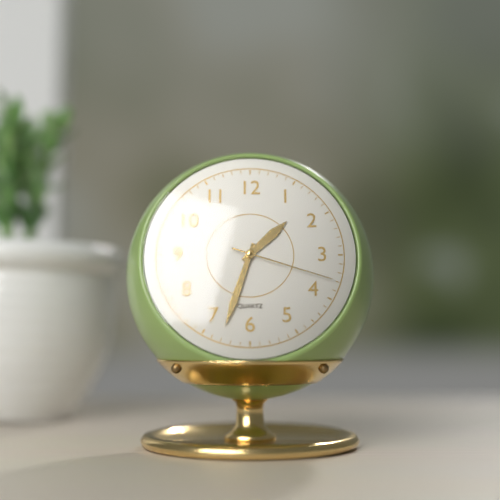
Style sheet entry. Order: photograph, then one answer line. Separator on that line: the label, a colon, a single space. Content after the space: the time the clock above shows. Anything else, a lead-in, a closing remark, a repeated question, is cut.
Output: 1:33:18
